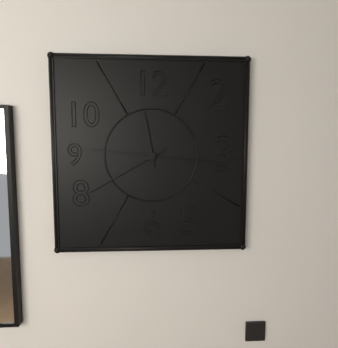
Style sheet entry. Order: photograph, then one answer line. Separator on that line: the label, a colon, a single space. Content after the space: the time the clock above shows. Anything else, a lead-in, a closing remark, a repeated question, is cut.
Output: 11:40:16
